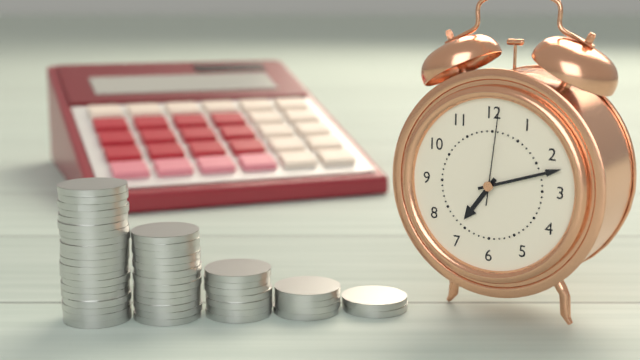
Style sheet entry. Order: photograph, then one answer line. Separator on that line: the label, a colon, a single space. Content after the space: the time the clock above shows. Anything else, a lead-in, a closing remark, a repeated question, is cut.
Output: 7:12:01
